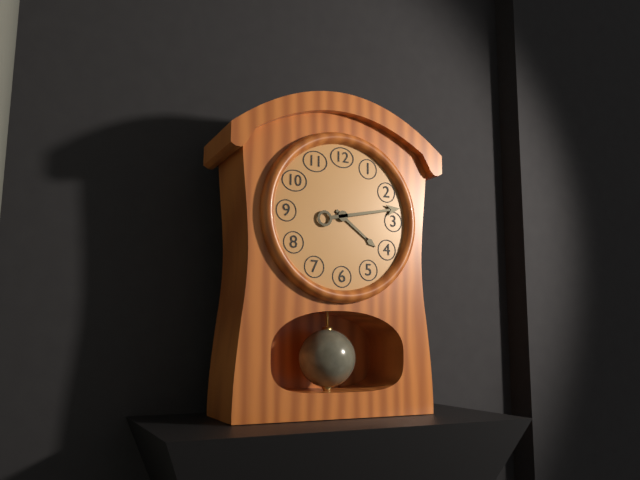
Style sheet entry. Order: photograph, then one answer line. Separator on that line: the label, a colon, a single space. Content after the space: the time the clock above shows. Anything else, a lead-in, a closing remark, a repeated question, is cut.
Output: 4:13
